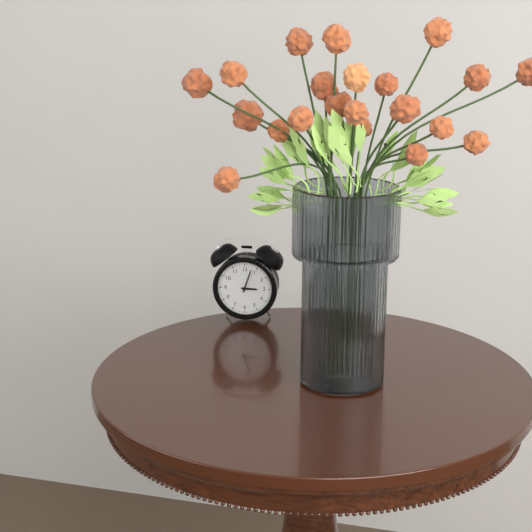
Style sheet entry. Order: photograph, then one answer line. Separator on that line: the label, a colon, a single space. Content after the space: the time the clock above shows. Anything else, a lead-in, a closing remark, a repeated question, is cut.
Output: 3:03
